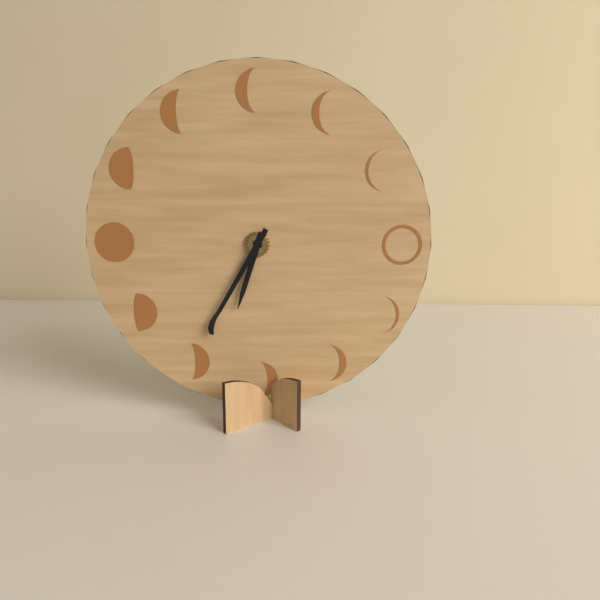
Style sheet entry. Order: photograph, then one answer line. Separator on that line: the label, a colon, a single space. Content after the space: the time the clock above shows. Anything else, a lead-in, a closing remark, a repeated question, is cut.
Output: 6:35
